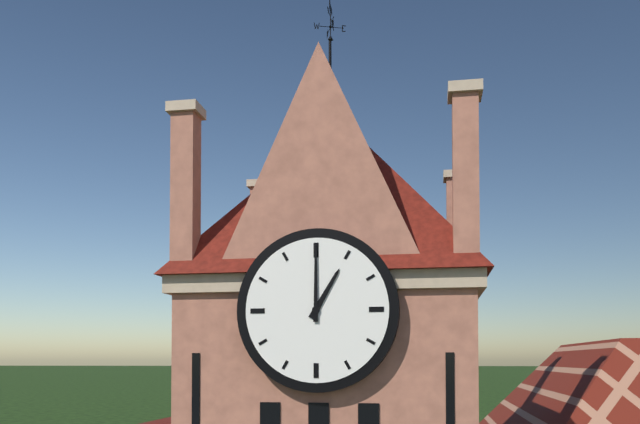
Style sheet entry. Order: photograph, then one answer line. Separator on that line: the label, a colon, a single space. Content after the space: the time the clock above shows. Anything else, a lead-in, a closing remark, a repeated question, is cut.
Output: 1:00
